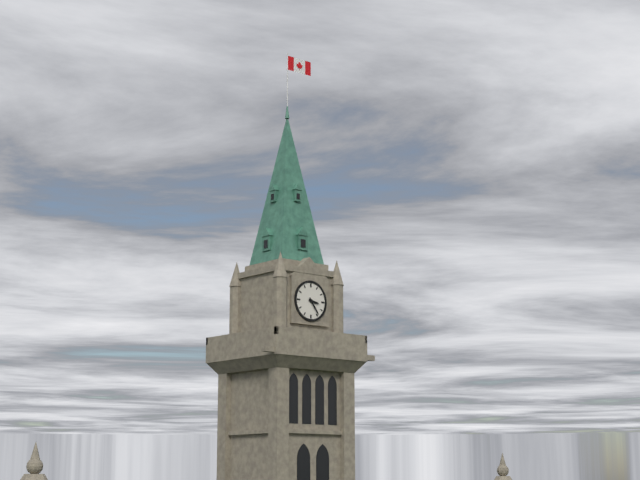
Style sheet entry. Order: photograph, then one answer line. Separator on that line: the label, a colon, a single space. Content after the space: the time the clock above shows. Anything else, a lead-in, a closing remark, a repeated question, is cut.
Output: 3:24
